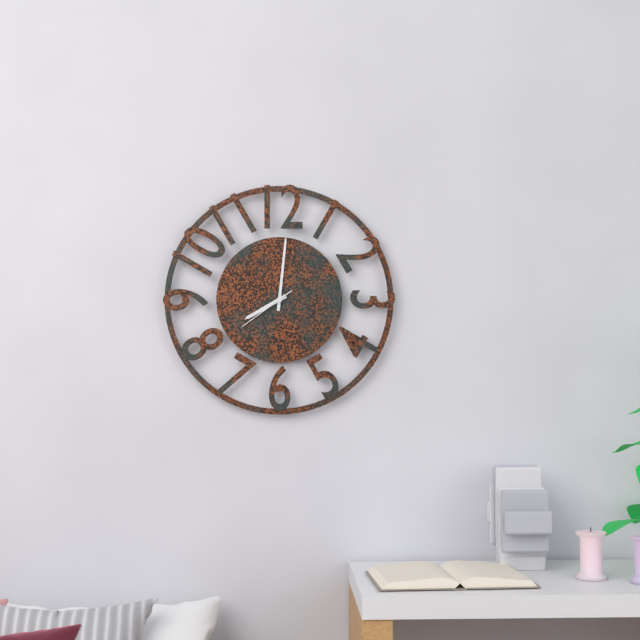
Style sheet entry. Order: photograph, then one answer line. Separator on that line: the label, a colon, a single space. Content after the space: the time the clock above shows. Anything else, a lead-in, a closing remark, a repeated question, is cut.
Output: 8:01:39
